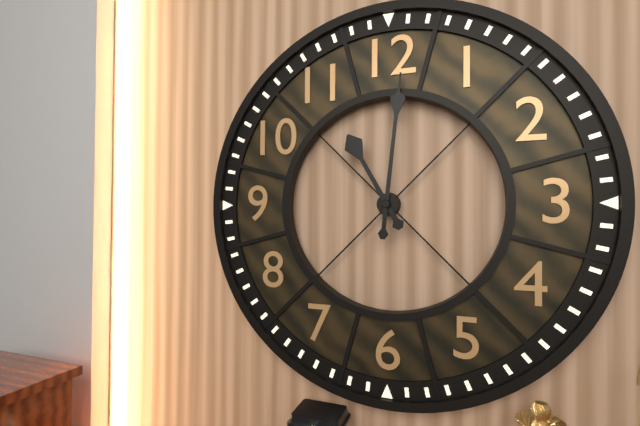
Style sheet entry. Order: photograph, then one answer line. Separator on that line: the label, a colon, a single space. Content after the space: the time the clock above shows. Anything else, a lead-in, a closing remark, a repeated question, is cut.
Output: 11:01
